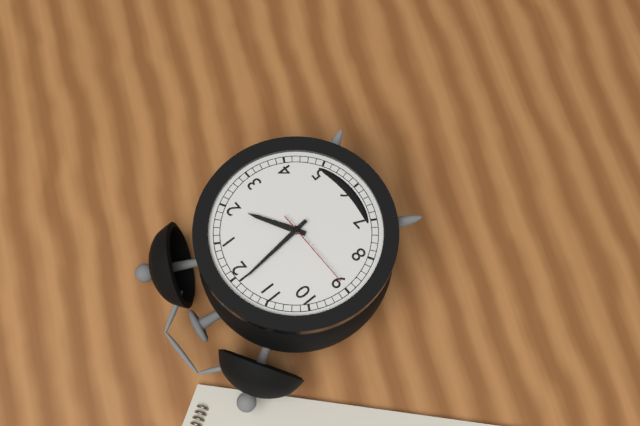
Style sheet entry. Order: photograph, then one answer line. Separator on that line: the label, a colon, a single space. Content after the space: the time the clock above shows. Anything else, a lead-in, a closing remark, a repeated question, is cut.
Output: 1:59:45
